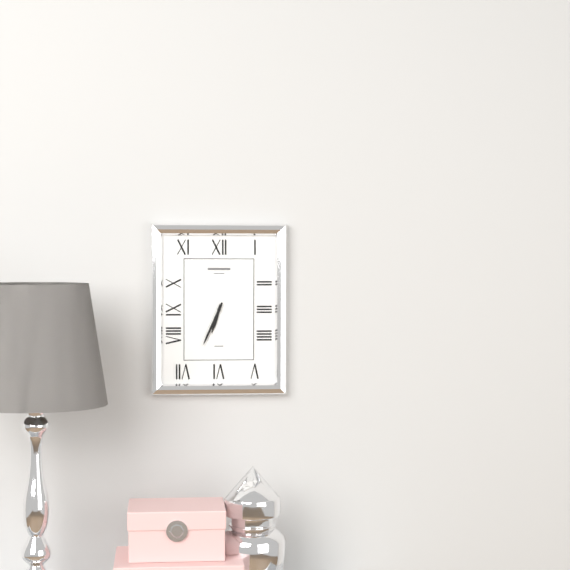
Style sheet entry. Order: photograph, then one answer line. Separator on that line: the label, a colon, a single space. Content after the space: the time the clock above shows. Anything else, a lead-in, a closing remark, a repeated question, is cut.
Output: 6:34
